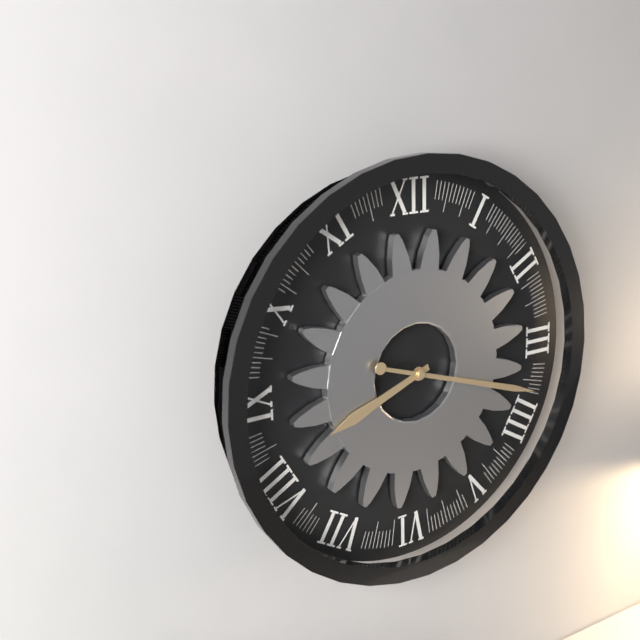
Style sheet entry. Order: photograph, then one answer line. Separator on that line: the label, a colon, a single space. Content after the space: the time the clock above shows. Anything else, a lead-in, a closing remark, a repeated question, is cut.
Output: 8:18
